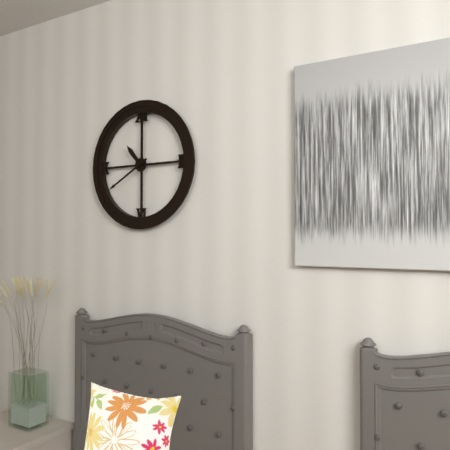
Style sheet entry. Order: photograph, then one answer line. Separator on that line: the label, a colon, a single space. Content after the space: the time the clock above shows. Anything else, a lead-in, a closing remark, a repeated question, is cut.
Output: 10:40
